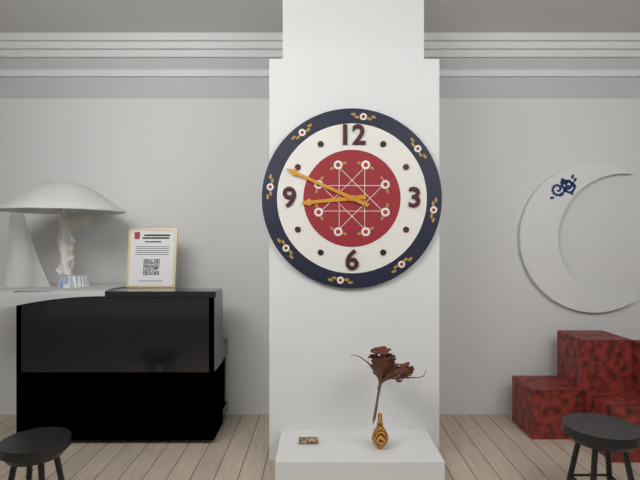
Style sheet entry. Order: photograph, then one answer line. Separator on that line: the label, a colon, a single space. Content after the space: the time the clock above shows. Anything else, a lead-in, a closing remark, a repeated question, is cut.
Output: 8:49
